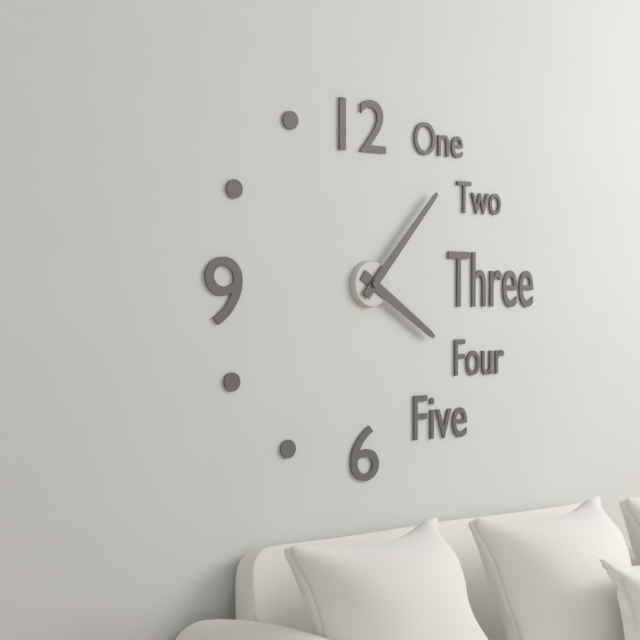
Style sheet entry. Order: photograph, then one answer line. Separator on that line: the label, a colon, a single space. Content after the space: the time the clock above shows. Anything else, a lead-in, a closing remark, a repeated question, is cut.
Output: 4:07
